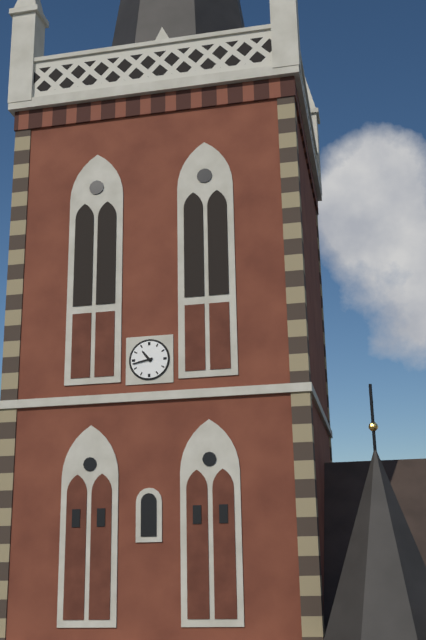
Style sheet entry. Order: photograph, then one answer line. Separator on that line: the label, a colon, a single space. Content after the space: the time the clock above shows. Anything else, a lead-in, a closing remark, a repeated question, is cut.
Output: 10:43
